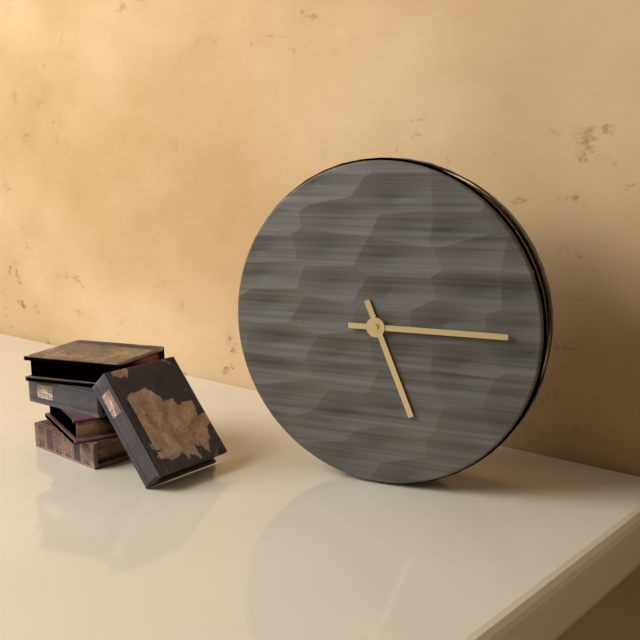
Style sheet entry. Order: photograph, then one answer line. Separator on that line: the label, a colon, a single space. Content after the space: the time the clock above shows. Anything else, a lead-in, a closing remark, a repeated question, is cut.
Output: 5:15
